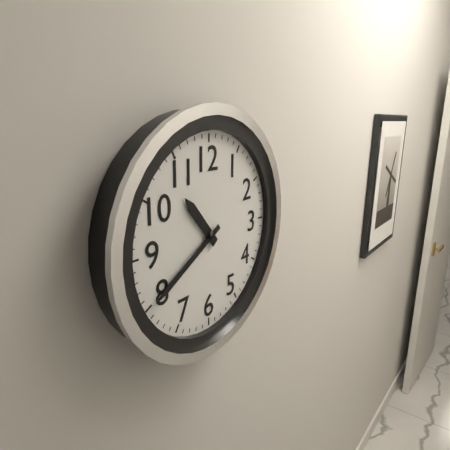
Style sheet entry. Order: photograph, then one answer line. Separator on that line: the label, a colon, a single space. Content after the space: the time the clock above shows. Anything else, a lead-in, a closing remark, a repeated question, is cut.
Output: 10:40
